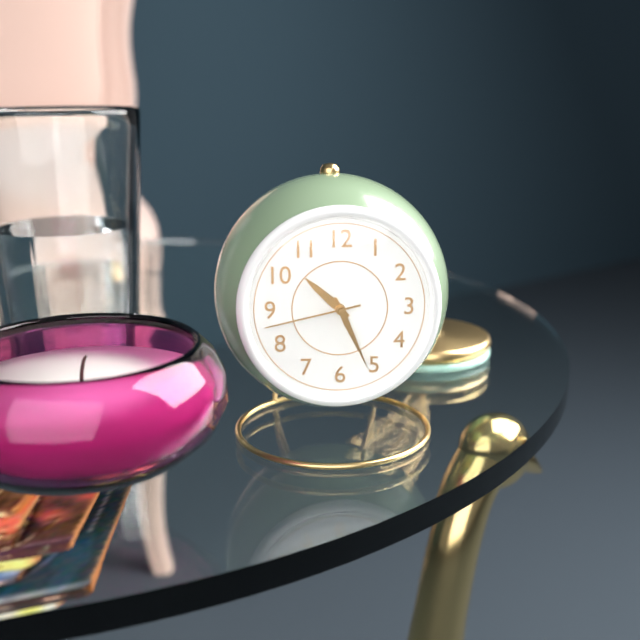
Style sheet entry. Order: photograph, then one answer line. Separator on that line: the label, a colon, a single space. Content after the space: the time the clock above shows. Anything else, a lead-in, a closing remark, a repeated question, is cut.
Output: 10:26:43
